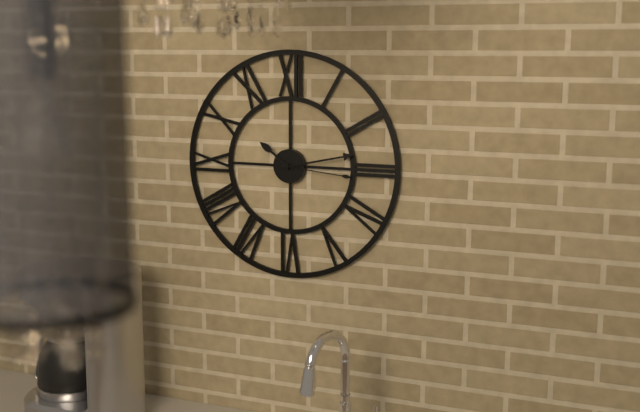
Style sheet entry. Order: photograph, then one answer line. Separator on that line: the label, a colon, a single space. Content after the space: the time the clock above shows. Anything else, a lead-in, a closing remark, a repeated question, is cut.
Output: 10:13:16
